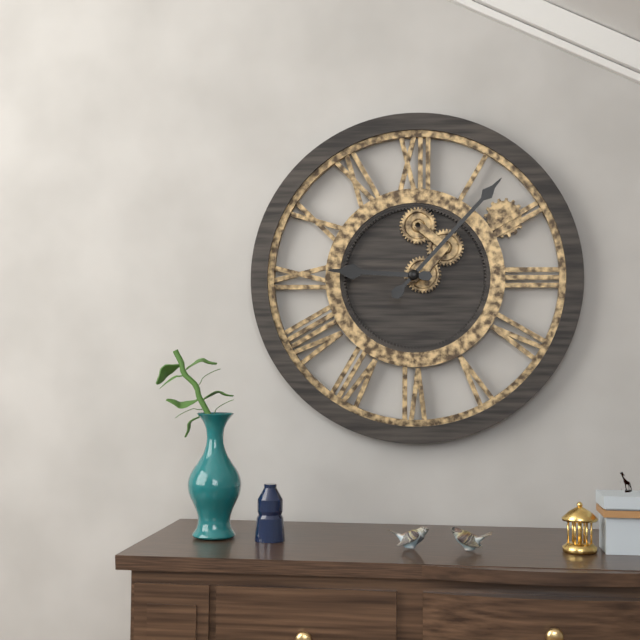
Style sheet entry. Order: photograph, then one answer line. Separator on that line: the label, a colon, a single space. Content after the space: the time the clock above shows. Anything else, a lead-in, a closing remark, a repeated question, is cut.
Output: 9:07
